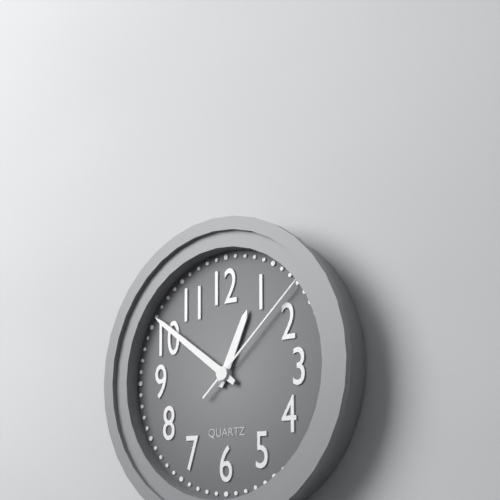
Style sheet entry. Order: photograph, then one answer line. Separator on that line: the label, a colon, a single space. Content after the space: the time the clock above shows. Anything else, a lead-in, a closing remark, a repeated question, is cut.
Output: 12:51:08
